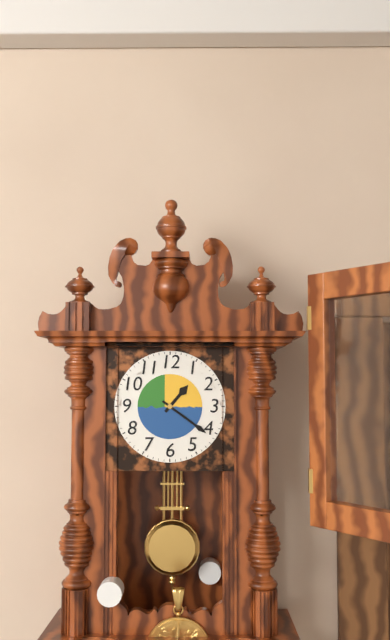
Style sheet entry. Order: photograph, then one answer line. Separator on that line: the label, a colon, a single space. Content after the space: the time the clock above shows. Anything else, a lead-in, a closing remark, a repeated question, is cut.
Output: 1:21
